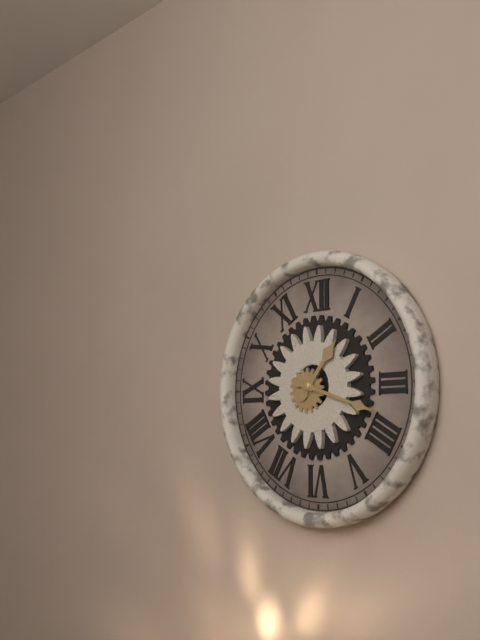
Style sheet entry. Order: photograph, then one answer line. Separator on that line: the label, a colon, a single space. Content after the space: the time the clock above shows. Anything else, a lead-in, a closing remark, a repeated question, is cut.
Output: 1:18
